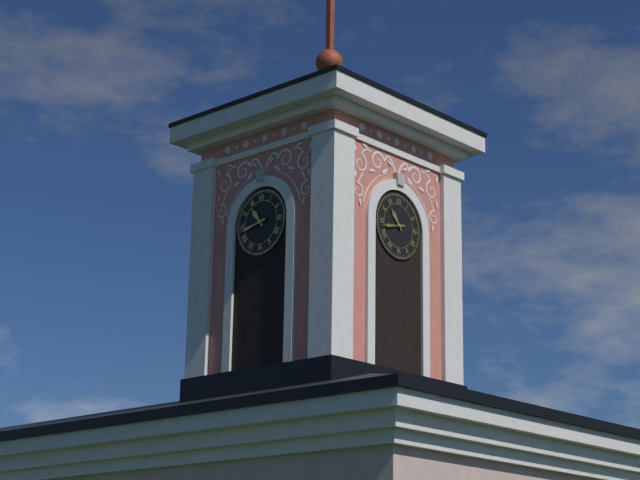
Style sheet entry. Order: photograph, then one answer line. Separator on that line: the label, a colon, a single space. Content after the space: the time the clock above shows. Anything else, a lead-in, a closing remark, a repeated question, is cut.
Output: 10:43
